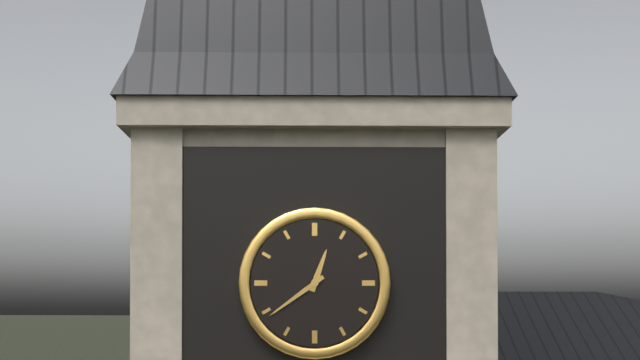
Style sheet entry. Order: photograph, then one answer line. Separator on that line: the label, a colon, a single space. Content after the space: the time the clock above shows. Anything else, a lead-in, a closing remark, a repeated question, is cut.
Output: 12:39
